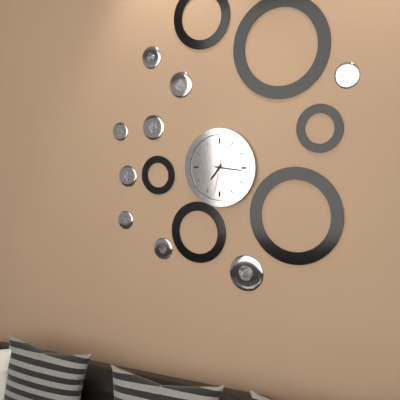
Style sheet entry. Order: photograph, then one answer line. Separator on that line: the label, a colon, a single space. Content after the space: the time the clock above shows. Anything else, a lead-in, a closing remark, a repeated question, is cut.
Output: 7:16
